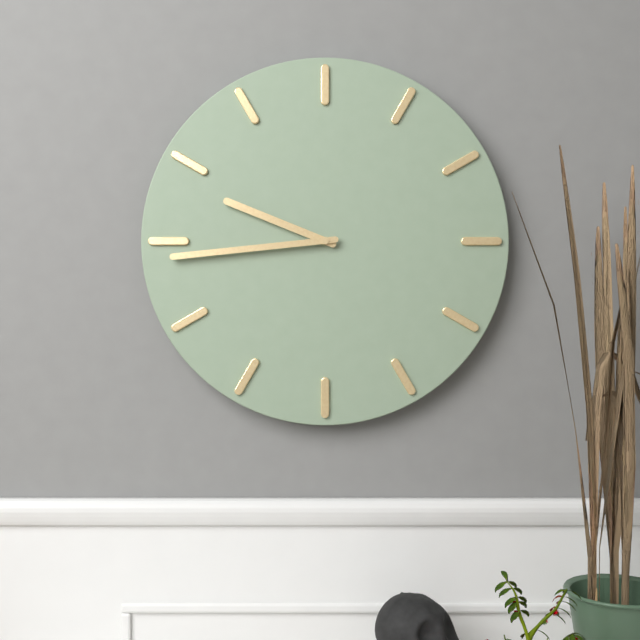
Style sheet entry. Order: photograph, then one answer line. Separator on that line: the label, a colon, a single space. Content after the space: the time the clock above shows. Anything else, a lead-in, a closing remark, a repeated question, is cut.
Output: 9:44
